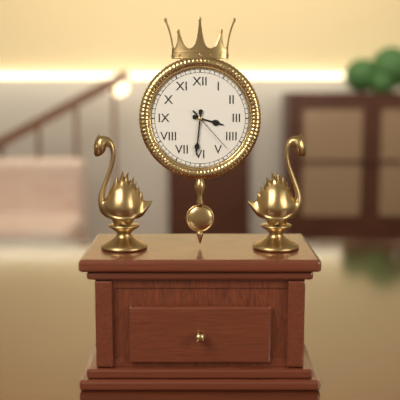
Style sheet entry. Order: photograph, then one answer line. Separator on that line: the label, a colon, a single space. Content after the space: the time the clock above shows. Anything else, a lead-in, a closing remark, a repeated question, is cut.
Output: 3:31:23
